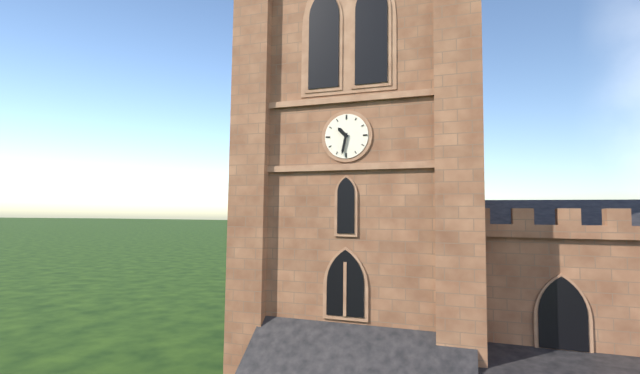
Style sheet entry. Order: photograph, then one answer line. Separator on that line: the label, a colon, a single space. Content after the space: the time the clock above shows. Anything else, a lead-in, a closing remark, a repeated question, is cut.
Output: 10:32
